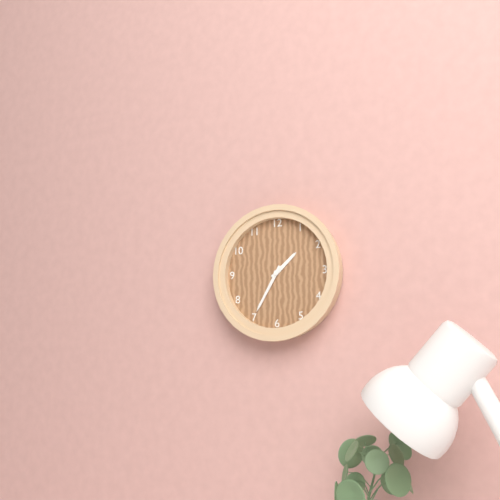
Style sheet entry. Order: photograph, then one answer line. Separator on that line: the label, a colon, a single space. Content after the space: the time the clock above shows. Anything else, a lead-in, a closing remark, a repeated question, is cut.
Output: 1:35
